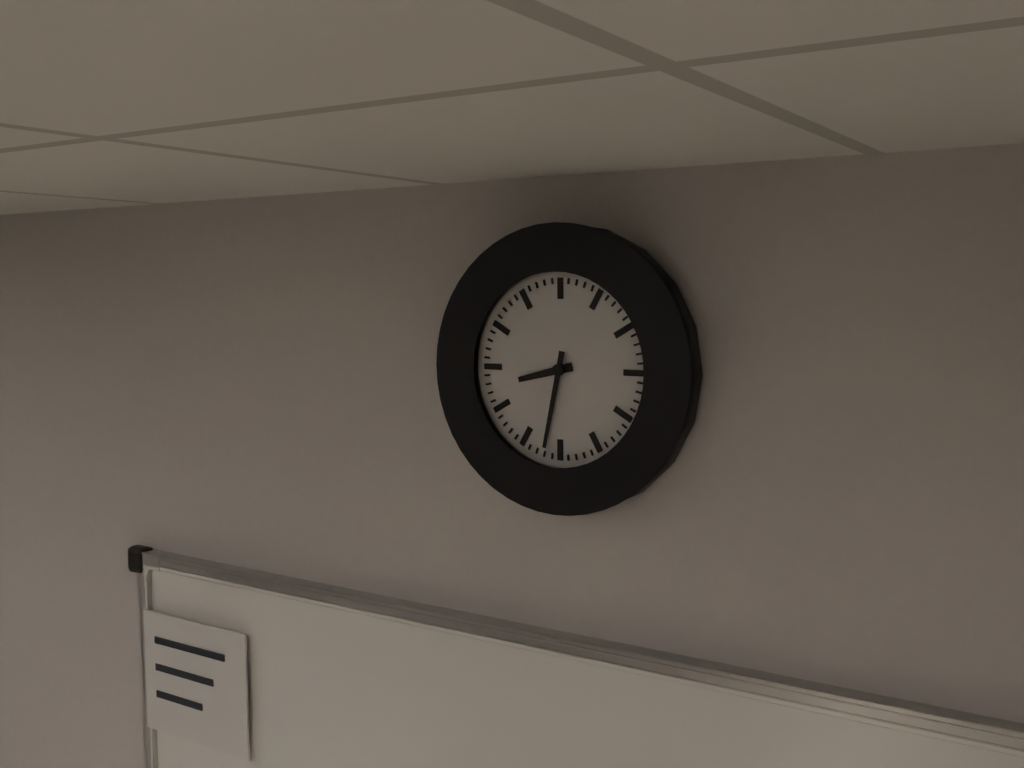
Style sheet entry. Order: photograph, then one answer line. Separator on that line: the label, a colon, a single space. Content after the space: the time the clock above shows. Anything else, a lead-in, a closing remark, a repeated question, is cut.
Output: 8:32
